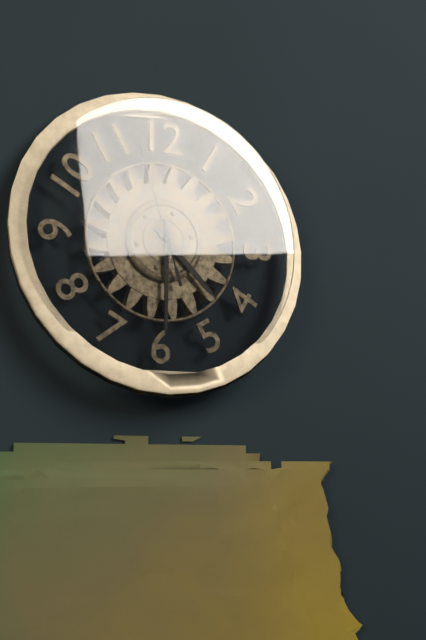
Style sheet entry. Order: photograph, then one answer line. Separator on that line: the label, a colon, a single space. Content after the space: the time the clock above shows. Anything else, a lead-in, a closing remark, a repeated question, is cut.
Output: 4:30:57
